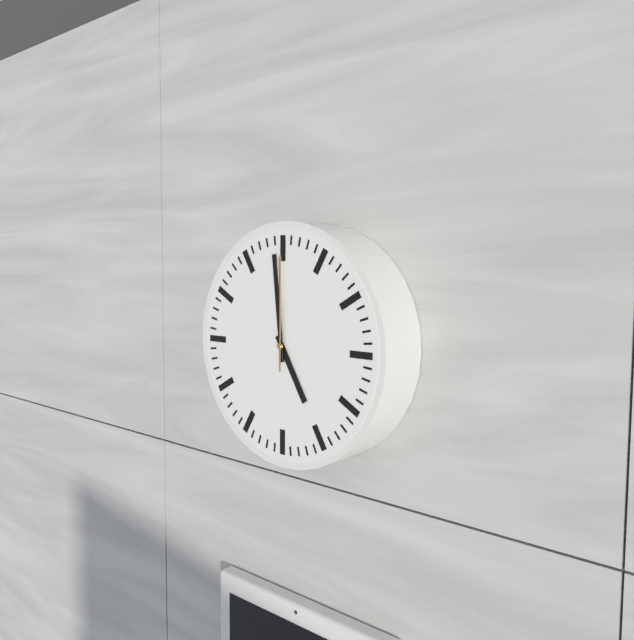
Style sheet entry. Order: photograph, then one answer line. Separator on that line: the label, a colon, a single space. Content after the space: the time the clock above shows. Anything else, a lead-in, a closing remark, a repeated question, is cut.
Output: 4:59:00
